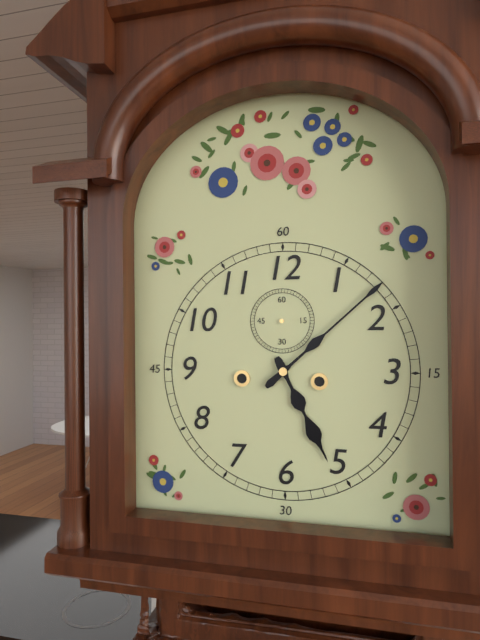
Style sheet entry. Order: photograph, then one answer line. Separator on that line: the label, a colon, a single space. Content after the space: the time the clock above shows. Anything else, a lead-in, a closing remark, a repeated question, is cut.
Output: 5:08
